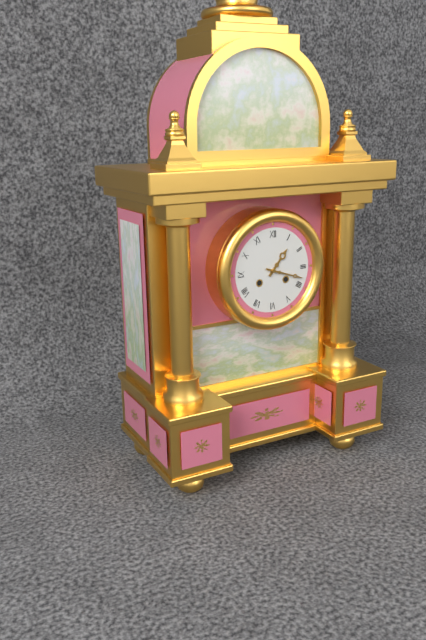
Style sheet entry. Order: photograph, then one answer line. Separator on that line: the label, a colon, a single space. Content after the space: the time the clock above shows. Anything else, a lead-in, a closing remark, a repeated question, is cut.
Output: 1:18
